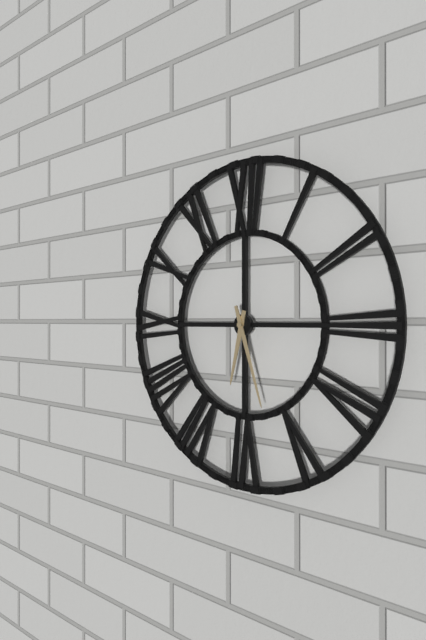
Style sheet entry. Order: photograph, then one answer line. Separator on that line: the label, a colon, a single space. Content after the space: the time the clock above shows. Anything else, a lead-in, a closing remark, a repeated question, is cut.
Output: 6:27
